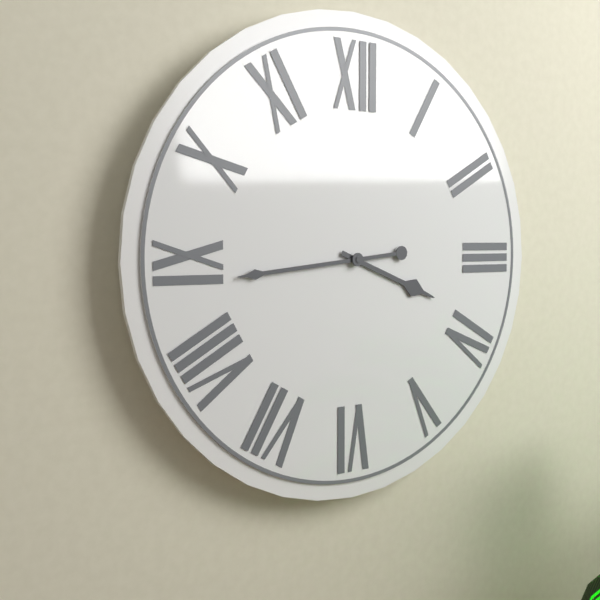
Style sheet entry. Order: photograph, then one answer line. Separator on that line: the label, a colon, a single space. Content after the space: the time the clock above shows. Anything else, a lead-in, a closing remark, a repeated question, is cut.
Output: 3:44
